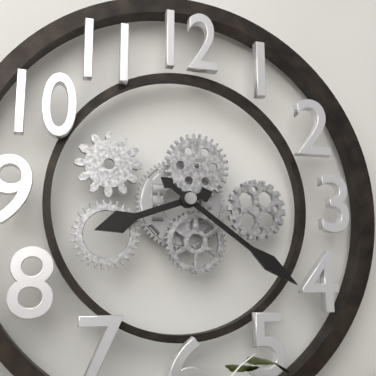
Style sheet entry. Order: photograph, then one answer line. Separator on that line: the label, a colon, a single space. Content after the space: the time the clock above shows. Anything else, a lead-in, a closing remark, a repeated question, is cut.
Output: 8:21
